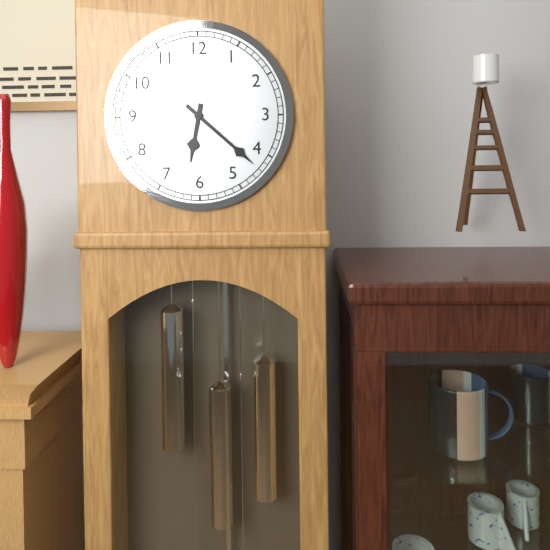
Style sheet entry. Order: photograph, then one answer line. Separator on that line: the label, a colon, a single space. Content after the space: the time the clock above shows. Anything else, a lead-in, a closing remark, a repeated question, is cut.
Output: 6:22
